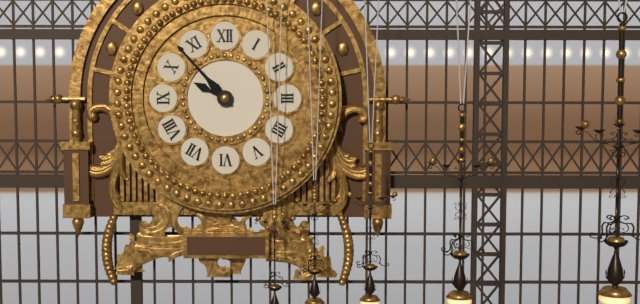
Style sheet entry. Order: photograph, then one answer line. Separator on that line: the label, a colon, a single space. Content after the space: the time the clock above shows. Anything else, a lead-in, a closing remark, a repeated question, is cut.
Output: 9:53
